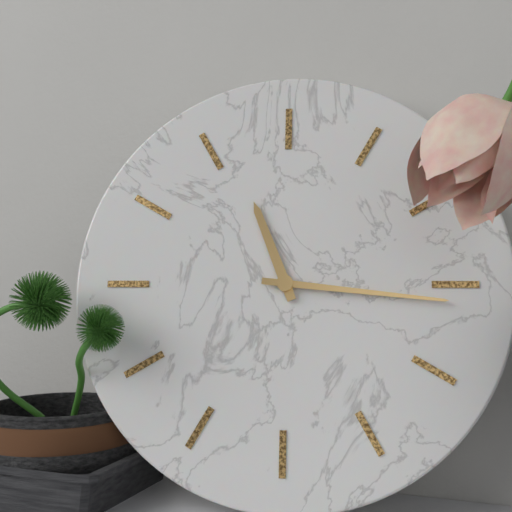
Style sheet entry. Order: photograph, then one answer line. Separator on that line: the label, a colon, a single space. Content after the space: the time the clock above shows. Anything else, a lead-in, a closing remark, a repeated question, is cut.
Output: 11:16
